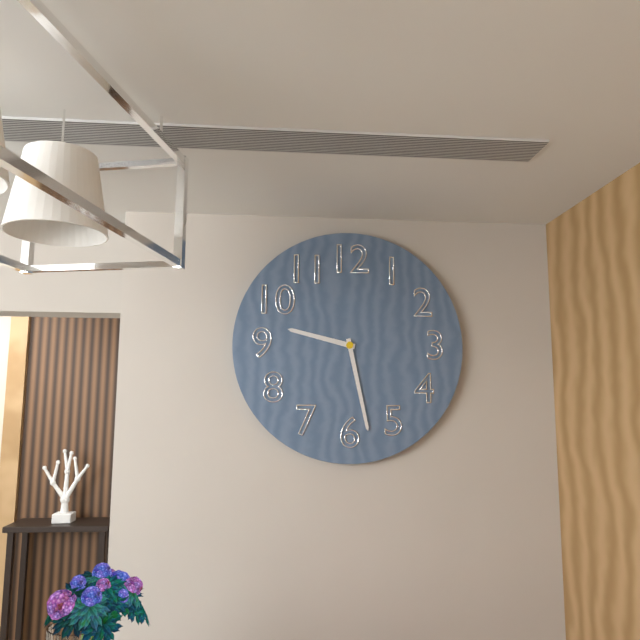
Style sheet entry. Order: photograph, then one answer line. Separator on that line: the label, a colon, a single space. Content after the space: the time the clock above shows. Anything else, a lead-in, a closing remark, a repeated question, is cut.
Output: 9:28
